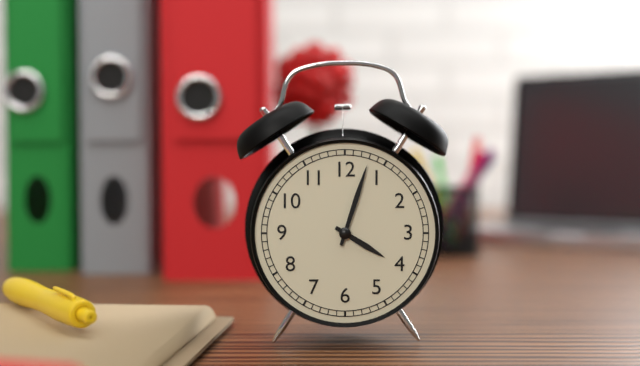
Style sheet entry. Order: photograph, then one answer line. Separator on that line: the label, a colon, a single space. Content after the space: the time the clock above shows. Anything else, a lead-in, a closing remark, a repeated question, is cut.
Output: 4:03
